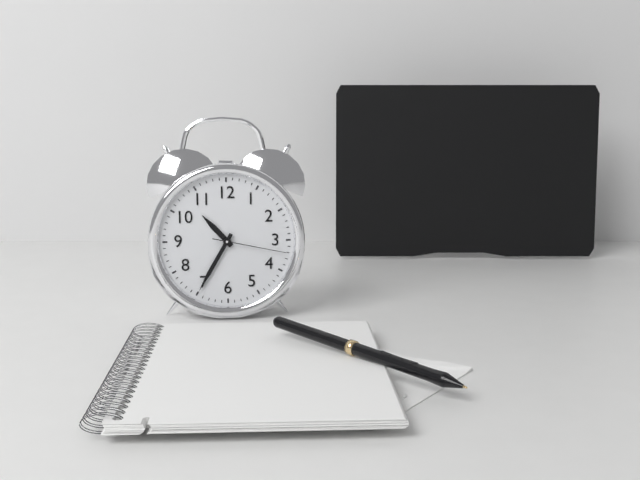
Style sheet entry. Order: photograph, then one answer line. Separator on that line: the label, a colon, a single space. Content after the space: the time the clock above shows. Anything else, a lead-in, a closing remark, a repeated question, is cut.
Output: 10:35:17
